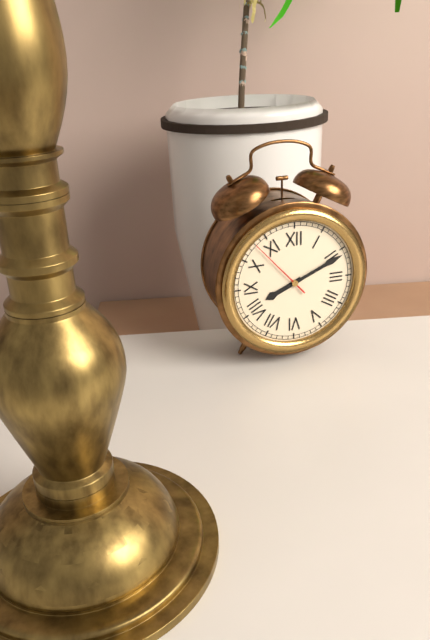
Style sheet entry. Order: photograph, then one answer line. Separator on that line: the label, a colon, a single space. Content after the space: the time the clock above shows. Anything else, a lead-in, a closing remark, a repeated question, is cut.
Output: 8:11:53
